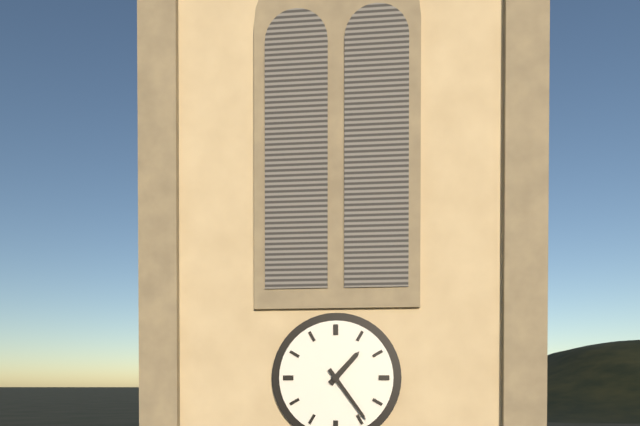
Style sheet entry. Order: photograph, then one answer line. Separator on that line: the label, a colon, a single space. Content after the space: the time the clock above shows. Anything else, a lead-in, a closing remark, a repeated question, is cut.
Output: 1:24
